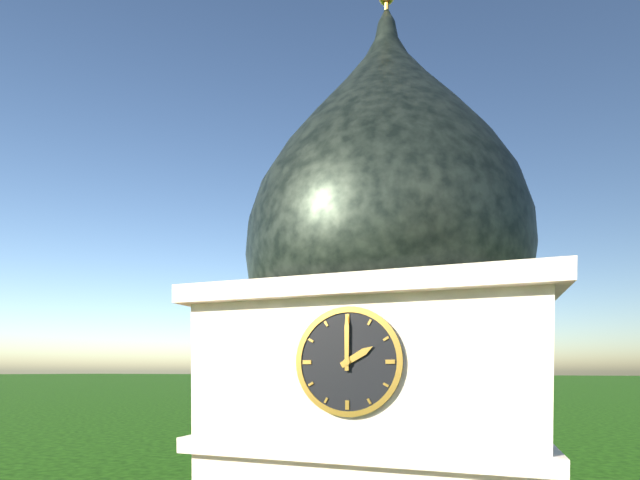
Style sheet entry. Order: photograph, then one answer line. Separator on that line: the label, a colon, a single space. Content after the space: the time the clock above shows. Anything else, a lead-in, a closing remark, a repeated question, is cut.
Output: 2:00
